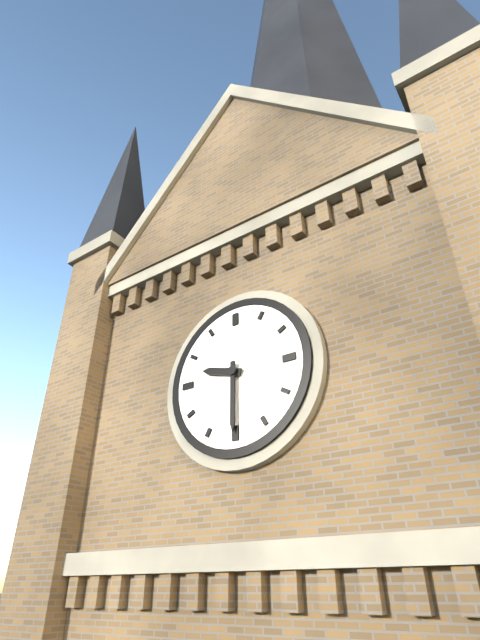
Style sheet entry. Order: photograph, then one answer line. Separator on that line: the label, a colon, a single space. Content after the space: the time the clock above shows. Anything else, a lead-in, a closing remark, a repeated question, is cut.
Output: 9:30
